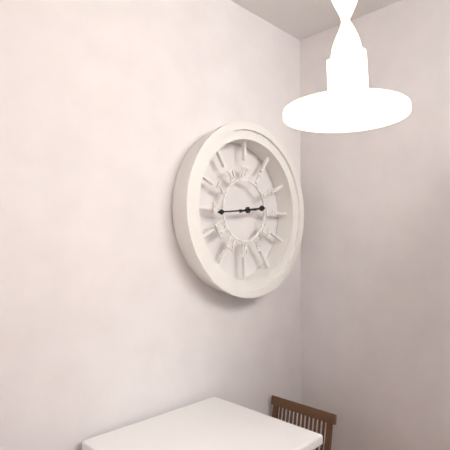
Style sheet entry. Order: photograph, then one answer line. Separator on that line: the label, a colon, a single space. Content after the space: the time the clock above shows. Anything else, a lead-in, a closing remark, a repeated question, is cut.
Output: 2:44
